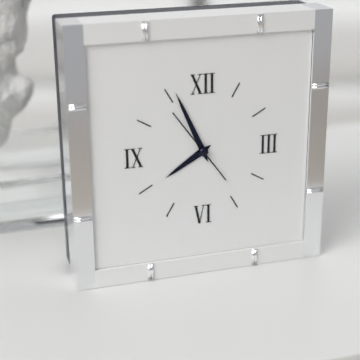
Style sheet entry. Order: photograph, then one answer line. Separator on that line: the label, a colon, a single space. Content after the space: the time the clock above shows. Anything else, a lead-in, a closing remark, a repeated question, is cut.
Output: 7:56:54
